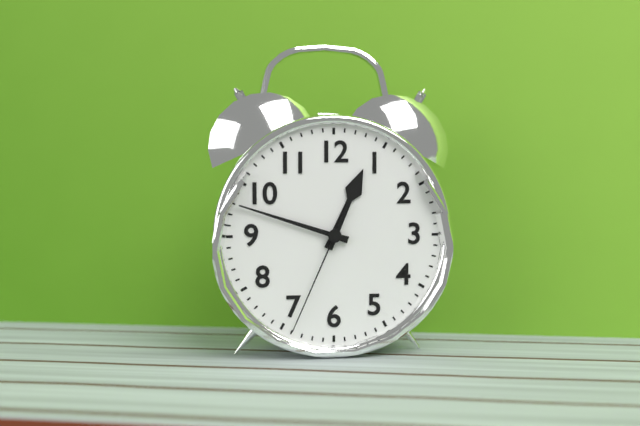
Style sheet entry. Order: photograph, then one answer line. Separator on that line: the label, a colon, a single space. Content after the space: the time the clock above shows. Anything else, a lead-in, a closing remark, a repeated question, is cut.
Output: 12:48:34
